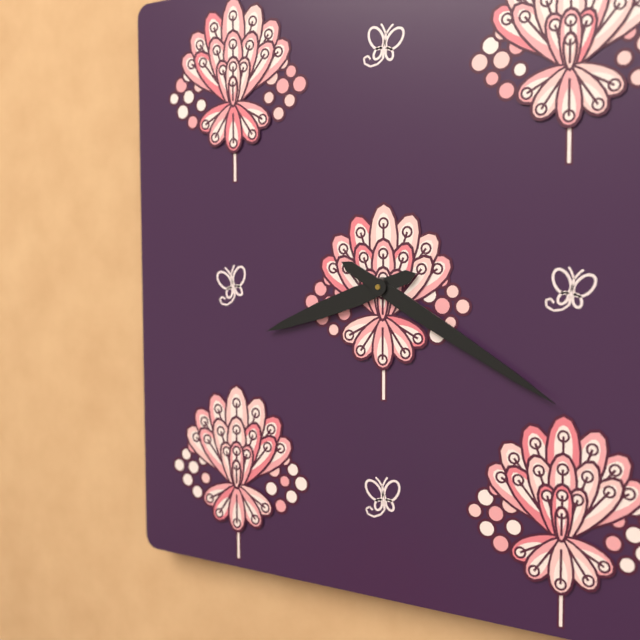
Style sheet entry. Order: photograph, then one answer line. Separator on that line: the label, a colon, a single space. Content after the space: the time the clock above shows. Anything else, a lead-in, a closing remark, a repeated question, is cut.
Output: 8:20
